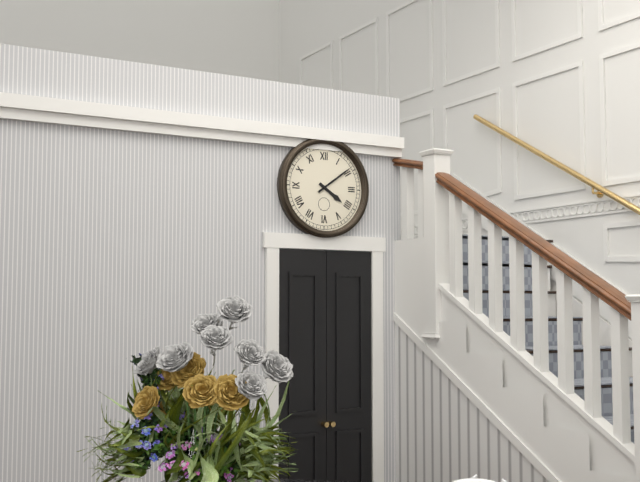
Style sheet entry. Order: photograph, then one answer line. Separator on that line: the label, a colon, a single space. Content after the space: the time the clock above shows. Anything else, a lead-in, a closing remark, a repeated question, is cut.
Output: 4:09
